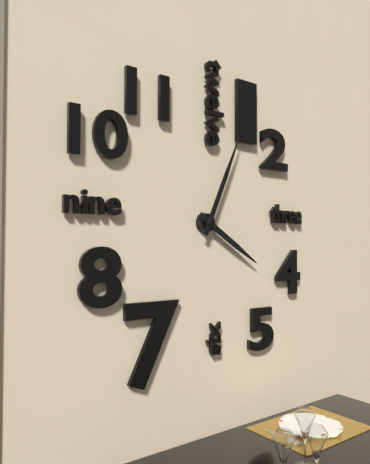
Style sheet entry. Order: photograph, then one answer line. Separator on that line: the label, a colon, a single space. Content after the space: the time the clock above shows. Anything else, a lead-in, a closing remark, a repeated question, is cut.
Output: 4:04
